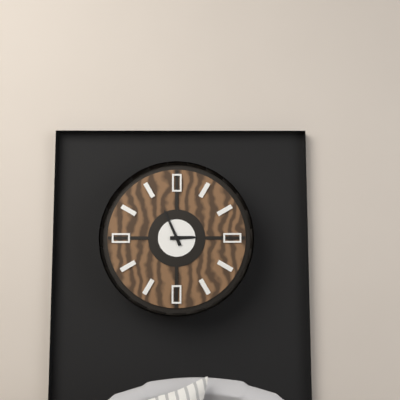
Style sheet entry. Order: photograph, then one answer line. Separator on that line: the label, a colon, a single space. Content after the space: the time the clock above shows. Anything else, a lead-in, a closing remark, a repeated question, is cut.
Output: 2:56
